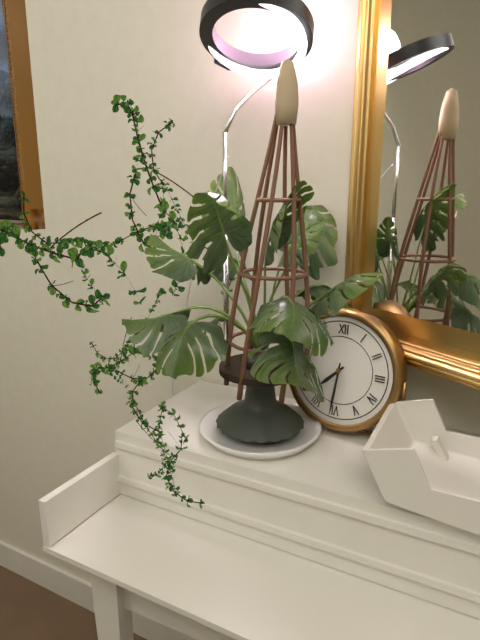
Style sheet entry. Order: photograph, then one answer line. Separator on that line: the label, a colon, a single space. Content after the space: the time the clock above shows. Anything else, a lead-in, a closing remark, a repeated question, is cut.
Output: 7:31
